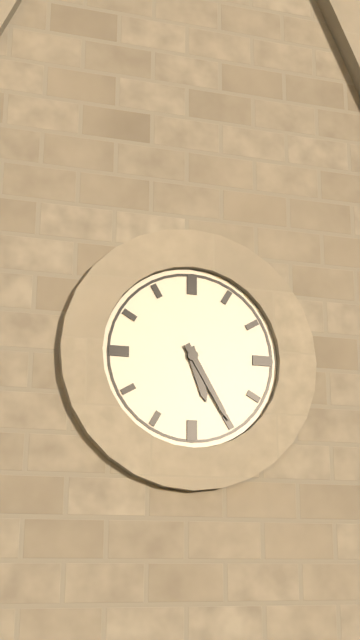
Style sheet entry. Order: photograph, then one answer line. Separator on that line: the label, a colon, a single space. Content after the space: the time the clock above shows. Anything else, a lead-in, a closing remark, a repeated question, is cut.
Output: 5:25
